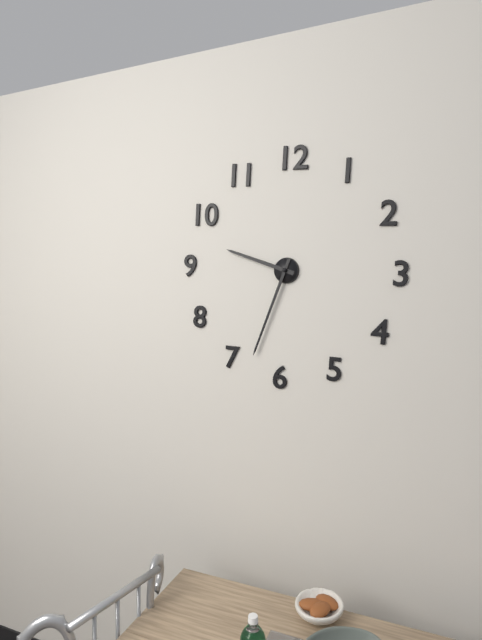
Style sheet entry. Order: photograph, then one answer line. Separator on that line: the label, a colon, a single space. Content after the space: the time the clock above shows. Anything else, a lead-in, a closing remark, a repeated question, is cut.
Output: 9:33
